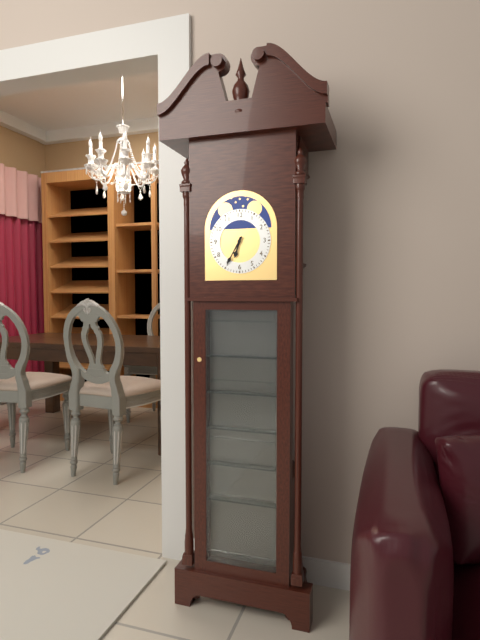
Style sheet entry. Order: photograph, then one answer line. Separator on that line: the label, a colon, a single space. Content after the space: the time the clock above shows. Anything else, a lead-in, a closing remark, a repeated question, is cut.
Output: 6:35
